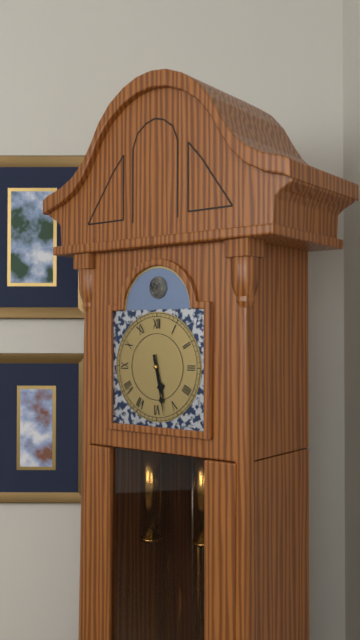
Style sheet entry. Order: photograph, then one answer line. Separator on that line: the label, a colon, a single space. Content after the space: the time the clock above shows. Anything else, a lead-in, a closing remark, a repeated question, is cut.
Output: 5:28
